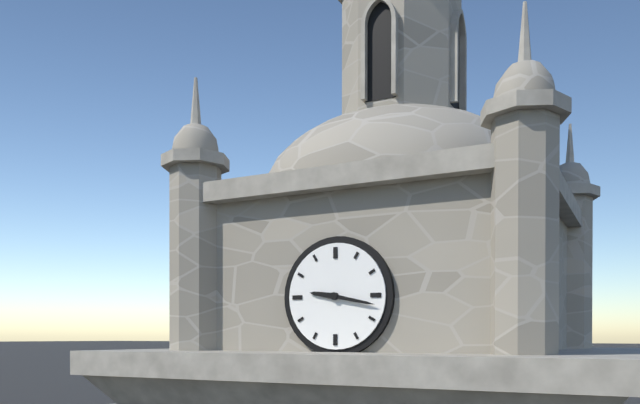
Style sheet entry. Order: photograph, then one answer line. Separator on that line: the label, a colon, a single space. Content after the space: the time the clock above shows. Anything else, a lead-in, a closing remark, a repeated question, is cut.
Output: 9:17
